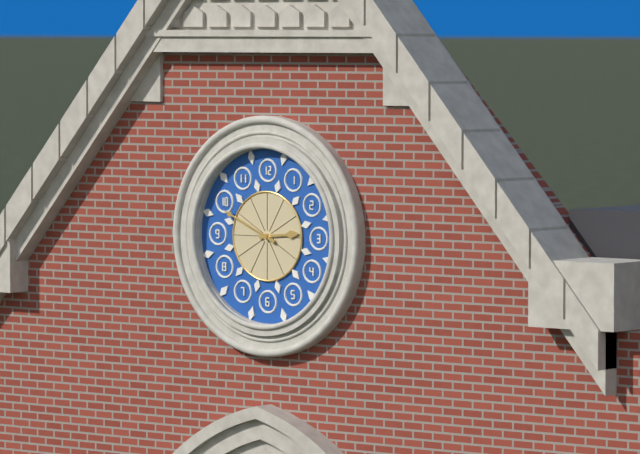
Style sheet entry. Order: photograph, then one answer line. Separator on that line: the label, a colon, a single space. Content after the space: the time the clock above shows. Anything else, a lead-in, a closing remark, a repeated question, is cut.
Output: 2:49
